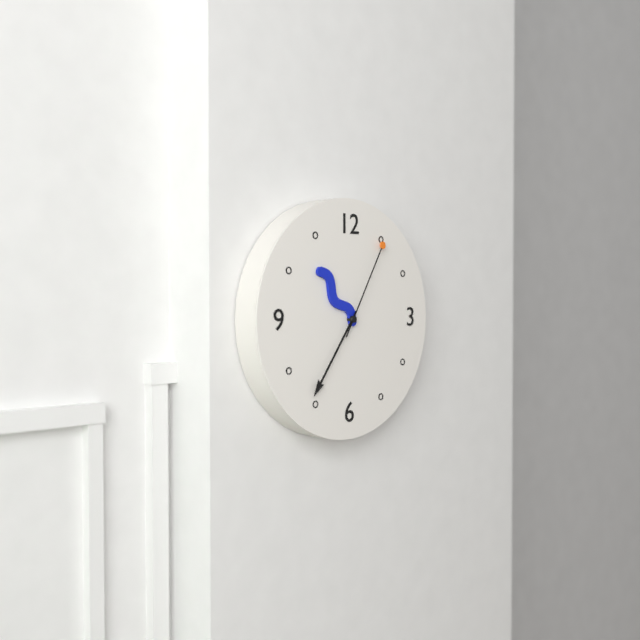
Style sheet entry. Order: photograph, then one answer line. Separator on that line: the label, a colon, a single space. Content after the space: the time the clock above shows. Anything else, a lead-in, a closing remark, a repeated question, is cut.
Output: 10:36:05
